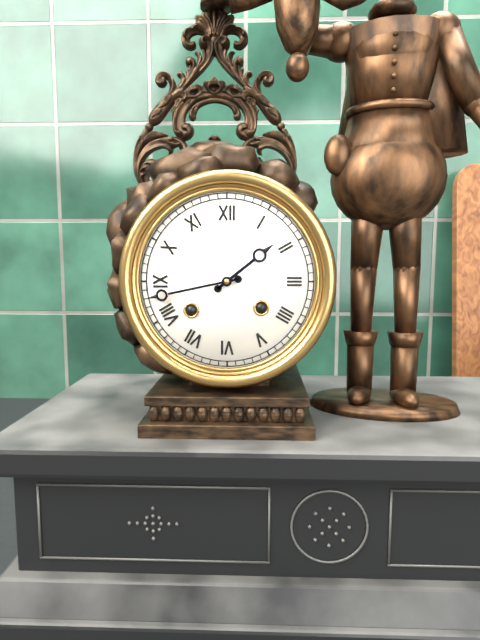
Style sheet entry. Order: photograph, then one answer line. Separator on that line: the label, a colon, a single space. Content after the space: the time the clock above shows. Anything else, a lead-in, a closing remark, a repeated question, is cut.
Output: 1:43
